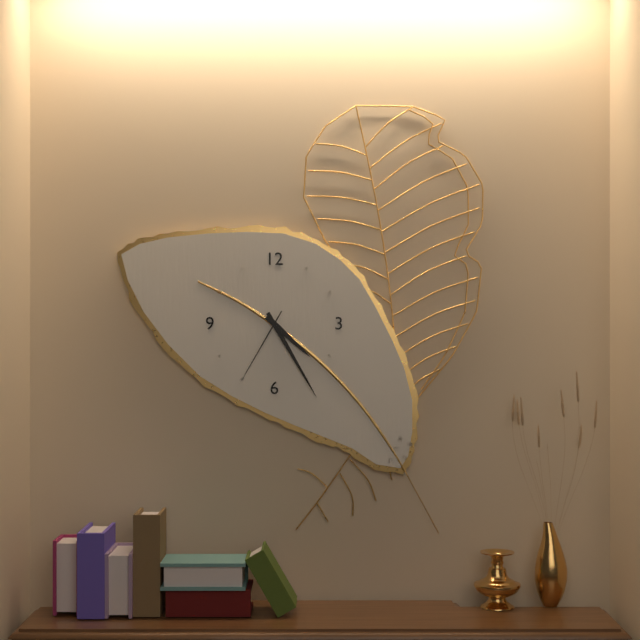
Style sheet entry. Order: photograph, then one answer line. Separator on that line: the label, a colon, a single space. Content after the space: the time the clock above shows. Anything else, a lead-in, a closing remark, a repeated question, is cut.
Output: 4:25:35
